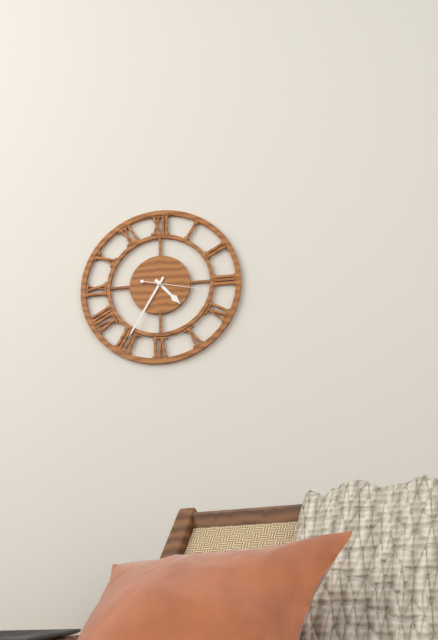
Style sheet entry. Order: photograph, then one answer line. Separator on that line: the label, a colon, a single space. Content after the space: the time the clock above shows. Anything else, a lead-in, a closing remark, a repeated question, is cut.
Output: 4:35
